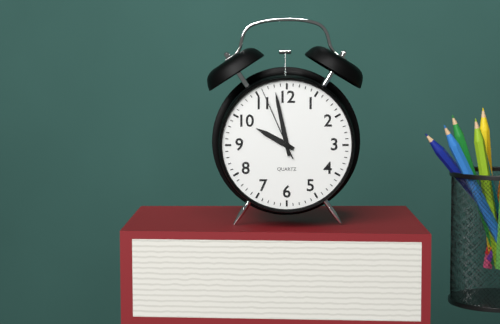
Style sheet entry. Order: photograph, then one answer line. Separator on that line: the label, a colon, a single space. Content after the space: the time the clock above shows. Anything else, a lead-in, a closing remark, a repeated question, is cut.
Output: 9:58:56
